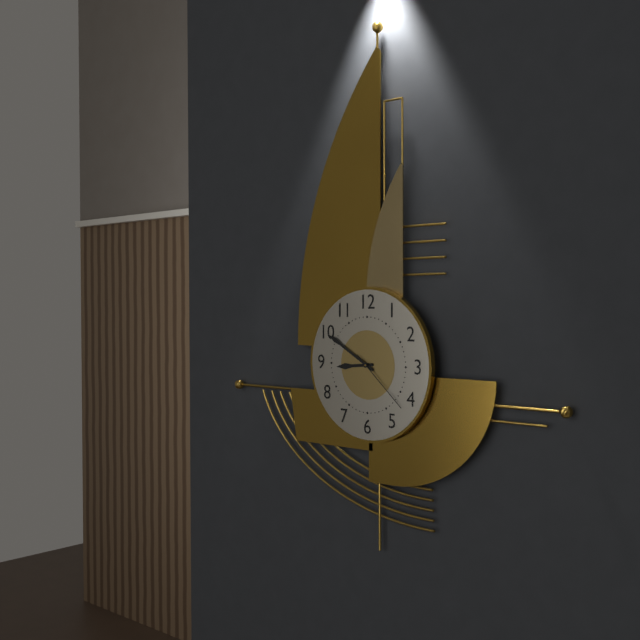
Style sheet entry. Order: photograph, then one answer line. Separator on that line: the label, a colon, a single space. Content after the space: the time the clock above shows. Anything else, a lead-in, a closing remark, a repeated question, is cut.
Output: 8:50:22
